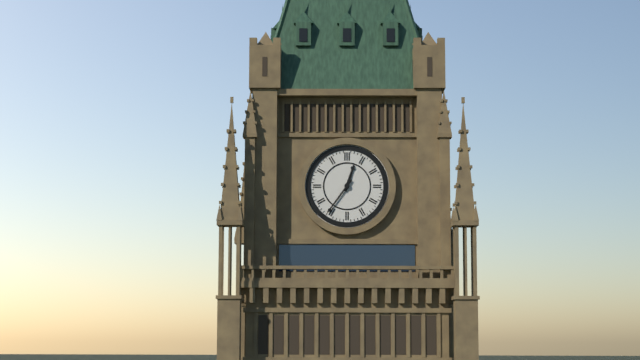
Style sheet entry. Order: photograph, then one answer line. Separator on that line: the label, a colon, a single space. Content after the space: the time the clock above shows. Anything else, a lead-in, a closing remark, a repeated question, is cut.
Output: 12:36
